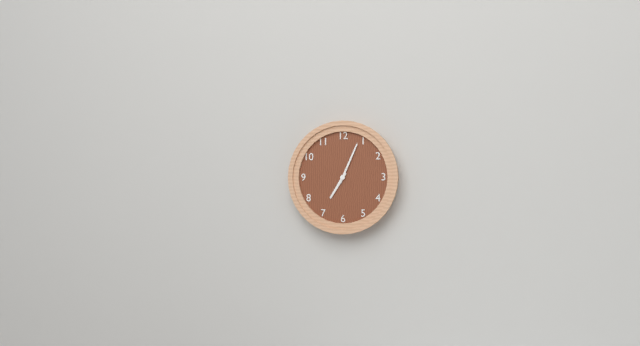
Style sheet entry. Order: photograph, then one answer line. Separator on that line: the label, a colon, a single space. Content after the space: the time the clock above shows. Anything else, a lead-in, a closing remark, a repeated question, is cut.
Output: 7:04
